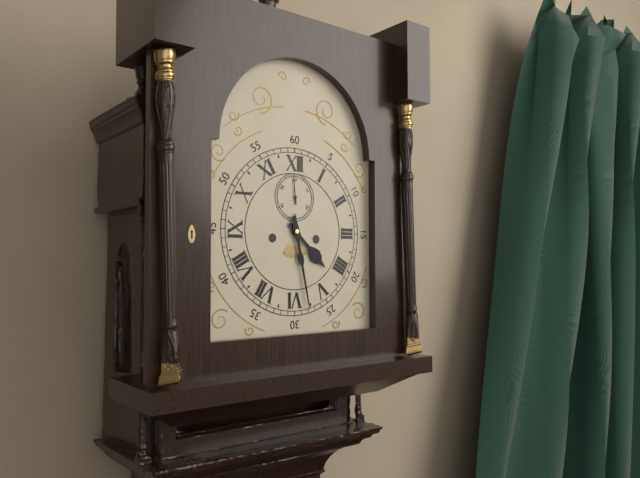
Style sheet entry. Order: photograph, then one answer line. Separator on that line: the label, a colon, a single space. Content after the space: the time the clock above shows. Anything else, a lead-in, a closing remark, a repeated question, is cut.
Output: 4:28
